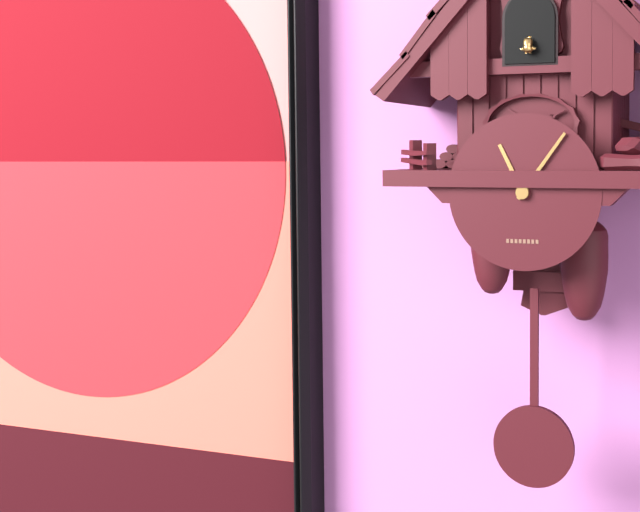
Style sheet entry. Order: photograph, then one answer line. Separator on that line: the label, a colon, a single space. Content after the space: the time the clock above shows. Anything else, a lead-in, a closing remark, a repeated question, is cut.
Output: 11:06
